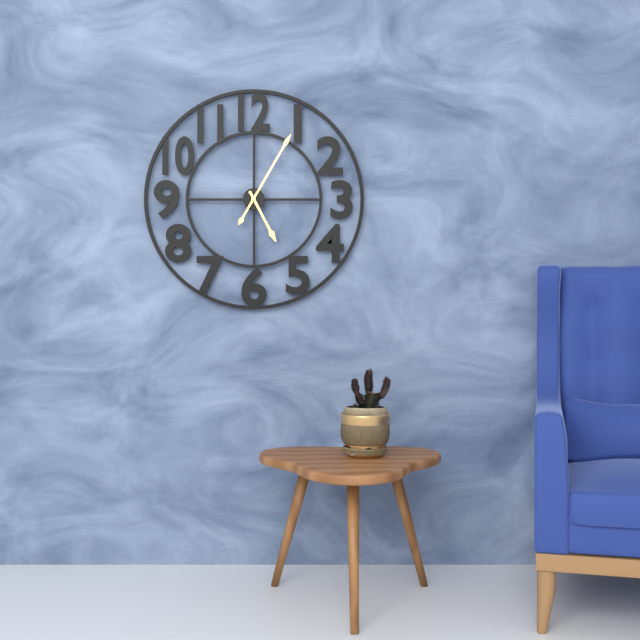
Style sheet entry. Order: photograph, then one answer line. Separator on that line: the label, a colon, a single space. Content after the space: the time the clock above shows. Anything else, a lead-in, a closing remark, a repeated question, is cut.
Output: 5:05
